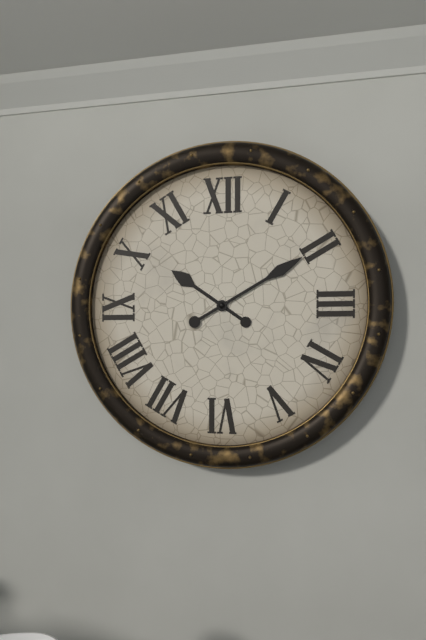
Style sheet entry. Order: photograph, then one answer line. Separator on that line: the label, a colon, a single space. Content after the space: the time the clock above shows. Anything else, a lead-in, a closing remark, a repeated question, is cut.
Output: 10:10
